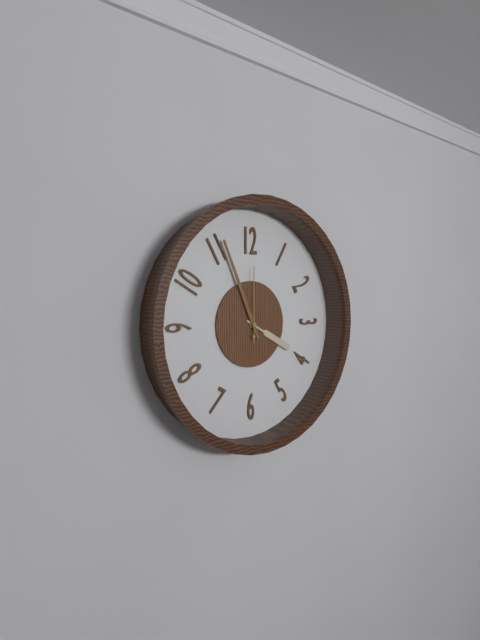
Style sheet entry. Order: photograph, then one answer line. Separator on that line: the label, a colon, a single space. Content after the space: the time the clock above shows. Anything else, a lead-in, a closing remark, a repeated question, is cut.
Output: 3:56:00
